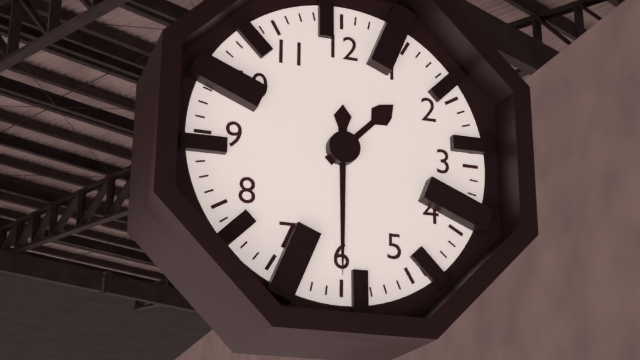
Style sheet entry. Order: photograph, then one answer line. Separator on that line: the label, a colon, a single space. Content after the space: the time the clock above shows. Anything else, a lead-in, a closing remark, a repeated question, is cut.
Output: 1:30
